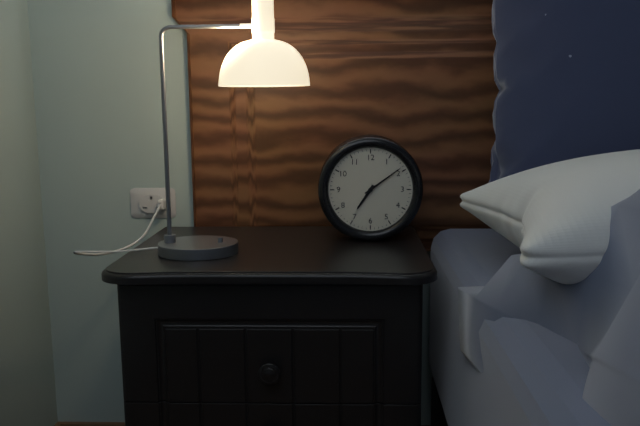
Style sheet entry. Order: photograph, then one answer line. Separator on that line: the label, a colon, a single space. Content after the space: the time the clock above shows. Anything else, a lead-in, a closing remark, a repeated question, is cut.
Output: 7:09
